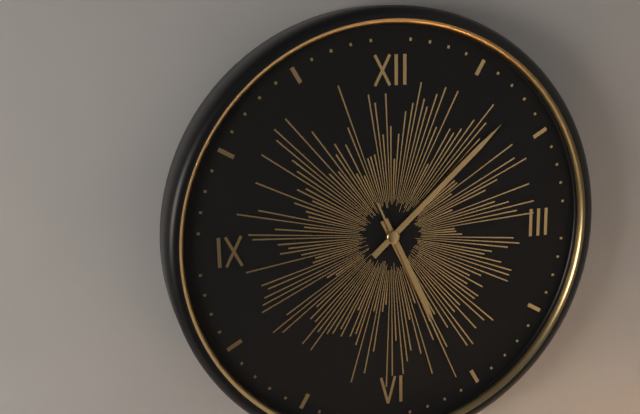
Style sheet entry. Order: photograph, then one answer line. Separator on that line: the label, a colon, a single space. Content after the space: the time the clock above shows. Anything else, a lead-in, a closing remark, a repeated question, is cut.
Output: 5:08:26
